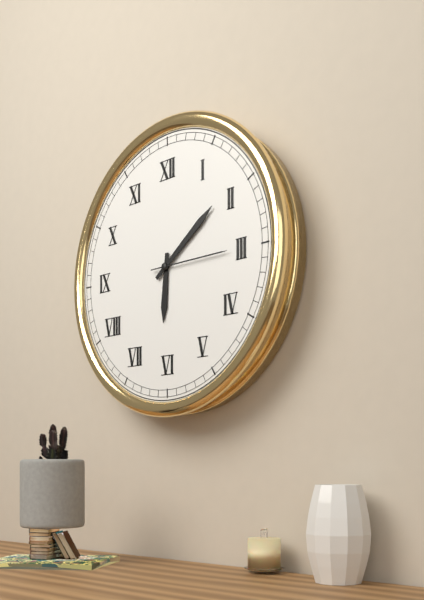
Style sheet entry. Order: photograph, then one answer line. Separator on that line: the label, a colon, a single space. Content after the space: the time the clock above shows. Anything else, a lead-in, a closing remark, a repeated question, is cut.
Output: 6:09:15
